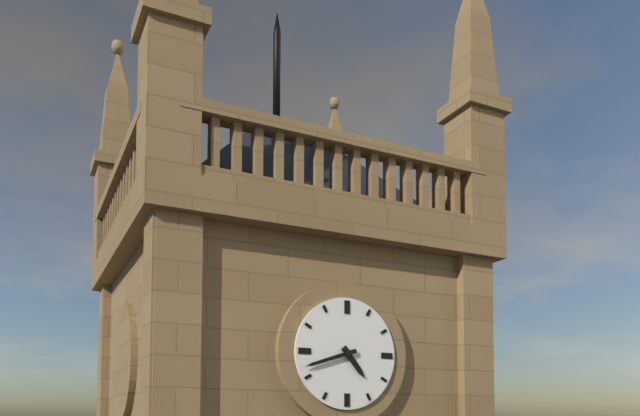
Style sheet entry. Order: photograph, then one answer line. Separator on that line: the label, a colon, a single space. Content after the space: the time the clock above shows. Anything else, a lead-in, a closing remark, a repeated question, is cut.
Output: 4:42
